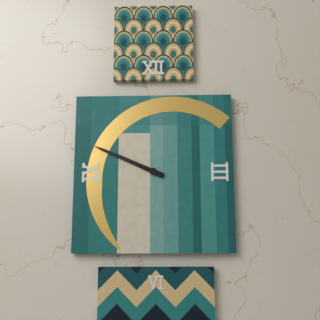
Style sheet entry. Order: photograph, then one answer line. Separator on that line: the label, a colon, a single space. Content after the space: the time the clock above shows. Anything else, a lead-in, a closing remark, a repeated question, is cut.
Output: 9:49
